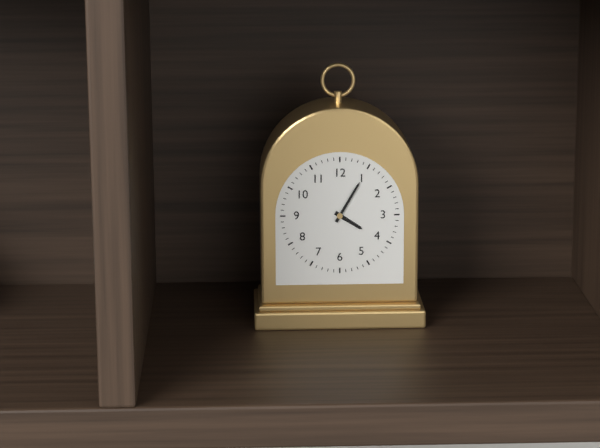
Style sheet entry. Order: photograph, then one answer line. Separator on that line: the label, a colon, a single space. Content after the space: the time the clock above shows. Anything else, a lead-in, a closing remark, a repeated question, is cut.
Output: 4:05
